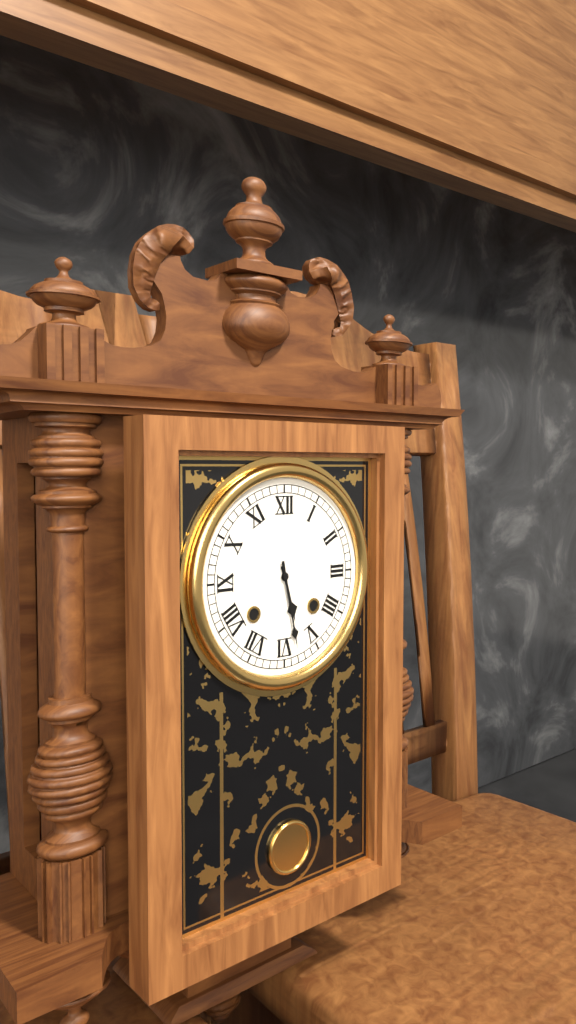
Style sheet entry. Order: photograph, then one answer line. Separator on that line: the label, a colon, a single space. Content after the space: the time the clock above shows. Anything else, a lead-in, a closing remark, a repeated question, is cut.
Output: 5:28
